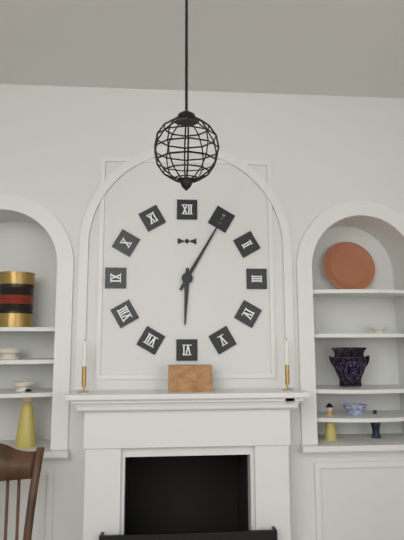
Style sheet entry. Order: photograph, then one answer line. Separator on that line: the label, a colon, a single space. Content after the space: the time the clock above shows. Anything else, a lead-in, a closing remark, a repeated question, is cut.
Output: 6:05
